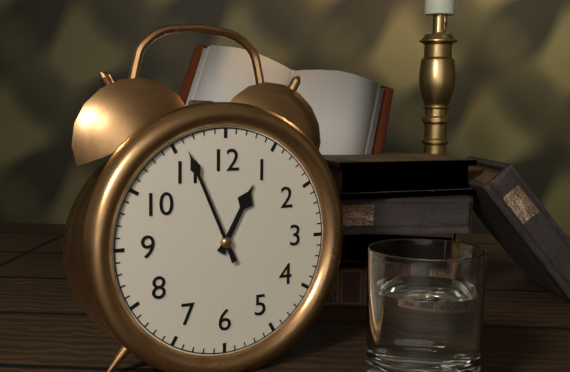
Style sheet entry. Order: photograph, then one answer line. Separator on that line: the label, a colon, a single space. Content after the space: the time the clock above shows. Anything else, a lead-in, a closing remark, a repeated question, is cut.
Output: 12:56
